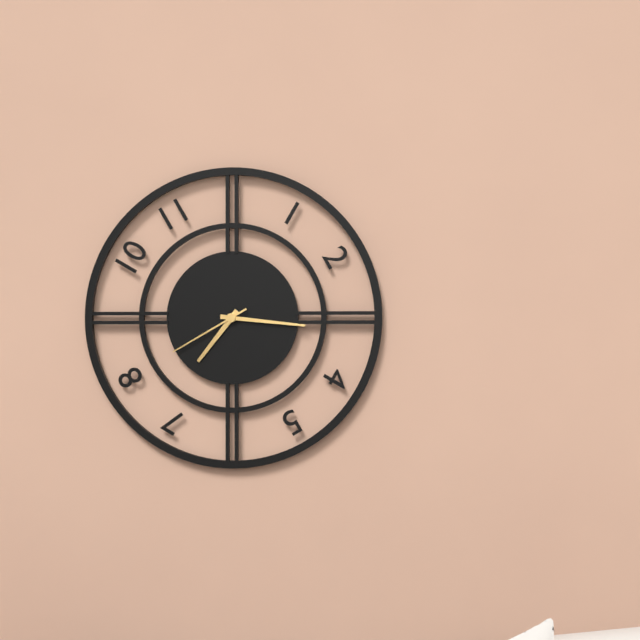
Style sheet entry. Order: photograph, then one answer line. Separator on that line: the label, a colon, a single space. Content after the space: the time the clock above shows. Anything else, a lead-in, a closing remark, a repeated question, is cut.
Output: 7:16:40
